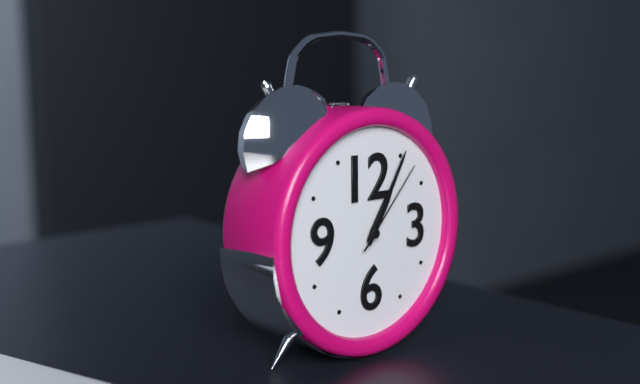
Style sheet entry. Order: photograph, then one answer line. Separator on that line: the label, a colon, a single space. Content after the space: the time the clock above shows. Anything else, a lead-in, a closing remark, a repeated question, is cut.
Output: 1:05:07
